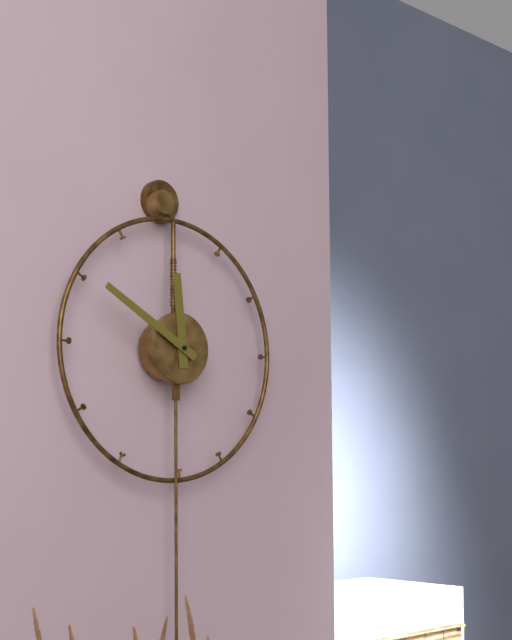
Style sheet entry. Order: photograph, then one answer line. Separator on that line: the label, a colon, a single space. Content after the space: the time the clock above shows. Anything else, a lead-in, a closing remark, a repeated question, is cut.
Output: 11:50
